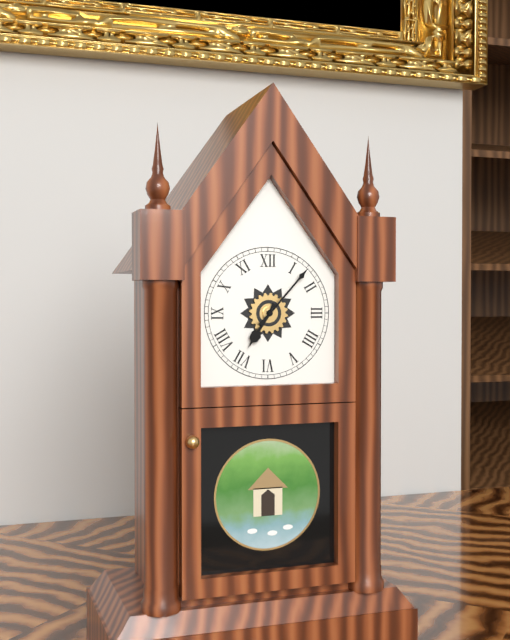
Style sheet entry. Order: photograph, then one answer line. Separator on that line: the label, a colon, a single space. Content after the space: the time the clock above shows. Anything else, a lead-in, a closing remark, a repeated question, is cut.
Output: 7:07
